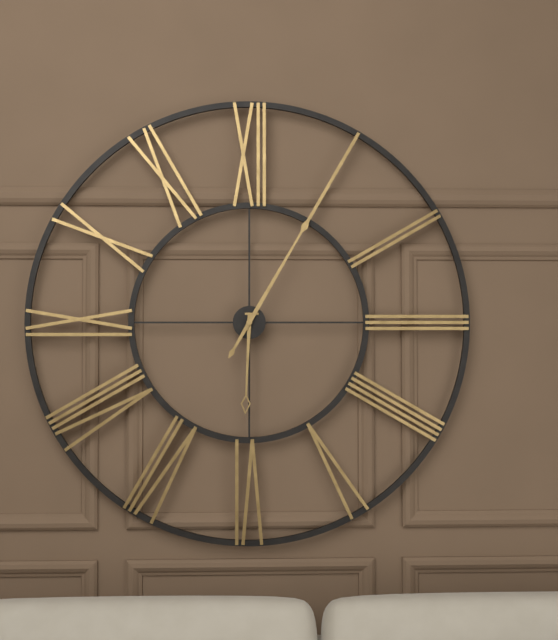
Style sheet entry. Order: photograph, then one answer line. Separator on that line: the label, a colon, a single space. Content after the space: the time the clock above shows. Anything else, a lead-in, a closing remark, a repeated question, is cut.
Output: 6:05
